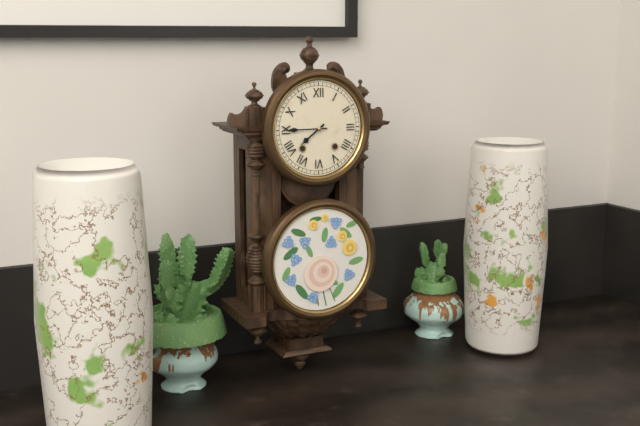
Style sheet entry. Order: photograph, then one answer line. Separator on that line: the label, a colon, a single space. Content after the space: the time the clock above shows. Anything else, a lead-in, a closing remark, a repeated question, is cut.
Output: 7:45
